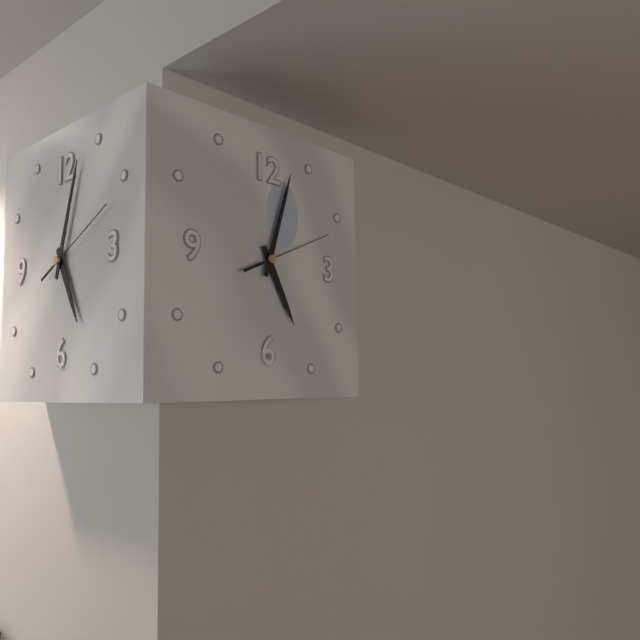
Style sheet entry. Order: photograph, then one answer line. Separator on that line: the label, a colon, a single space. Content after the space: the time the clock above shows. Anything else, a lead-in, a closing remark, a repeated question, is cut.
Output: 5:03:11
